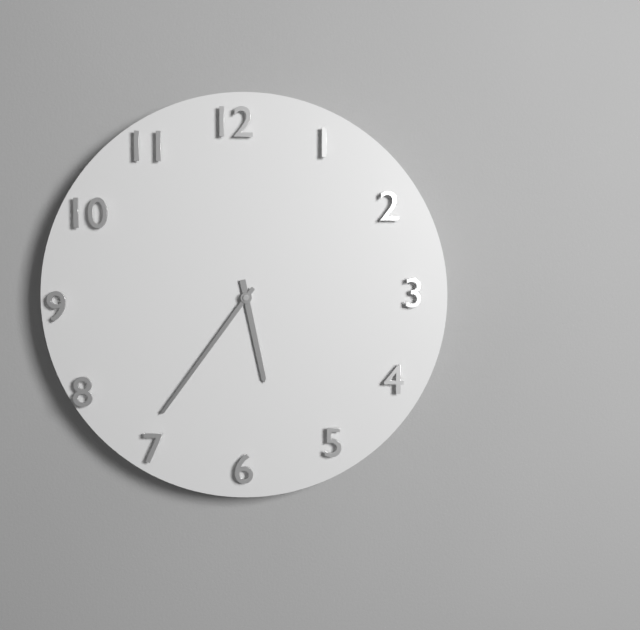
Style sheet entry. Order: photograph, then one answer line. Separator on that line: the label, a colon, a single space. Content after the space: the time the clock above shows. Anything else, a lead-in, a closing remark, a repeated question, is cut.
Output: 5:36
